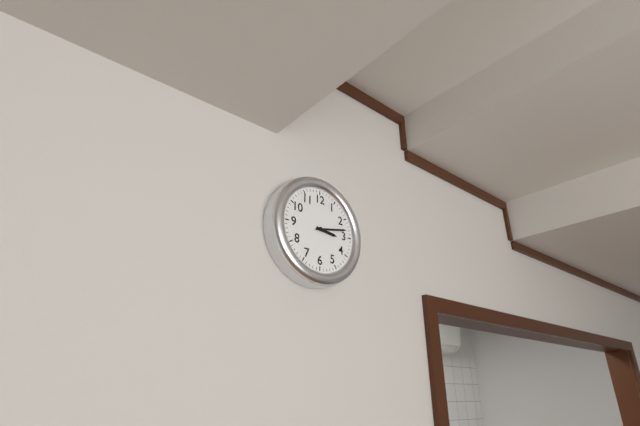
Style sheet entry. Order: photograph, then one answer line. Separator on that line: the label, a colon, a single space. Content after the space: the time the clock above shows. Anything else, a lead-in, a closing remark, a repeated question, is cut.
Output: 3:13
